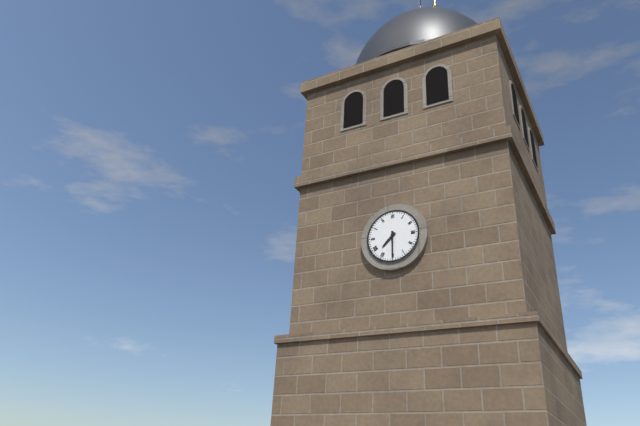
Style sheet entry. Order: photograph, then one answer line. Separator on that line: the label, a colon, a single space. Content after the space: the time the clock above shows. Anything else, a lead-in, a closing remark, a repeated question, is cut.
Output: 7:30
